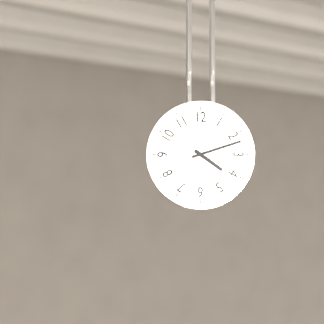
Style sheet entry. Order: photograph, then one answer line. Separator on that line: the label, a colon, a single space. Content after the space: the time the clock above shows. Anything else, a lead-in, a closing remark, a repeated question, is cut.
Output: 4:12
